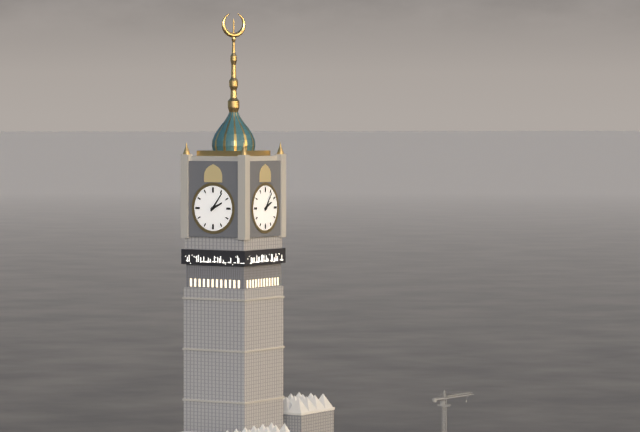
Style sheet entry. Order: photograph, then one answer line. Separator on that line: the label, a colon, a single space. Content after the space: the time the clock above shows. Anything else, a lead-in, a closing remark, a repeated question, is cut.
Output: 2:06
